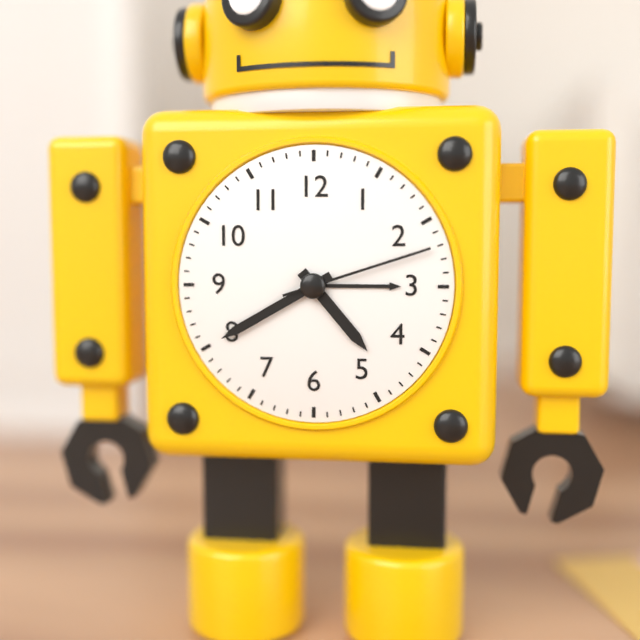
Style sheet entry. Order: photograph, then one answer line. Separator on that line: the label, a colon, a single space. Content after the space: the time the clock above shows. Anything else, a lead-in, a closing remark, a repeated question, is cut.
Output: 4:40:12
